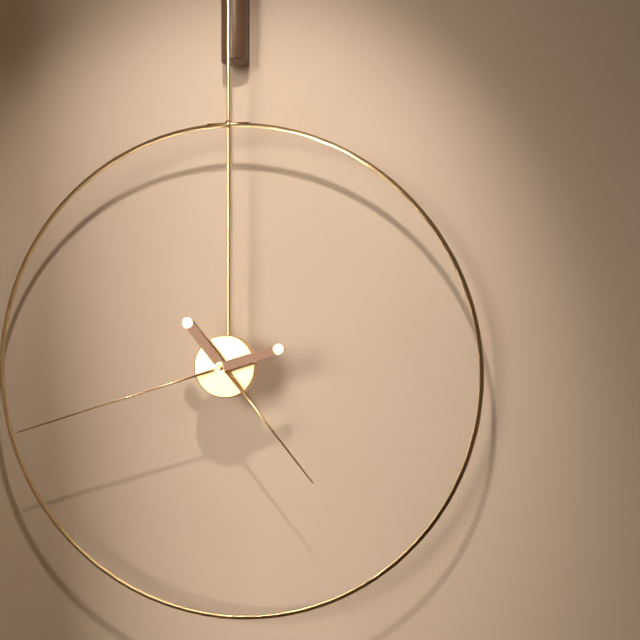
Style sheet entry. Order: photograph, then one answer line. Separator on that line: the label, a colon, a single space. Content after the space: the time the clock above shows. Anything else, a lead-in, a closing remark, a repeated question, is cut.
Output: 4:42
